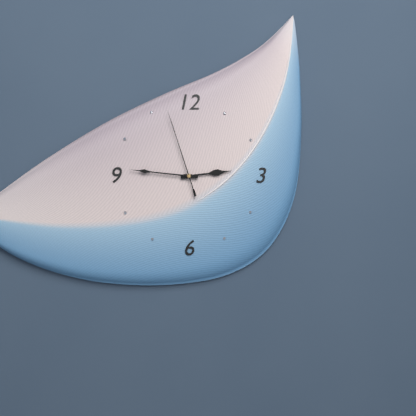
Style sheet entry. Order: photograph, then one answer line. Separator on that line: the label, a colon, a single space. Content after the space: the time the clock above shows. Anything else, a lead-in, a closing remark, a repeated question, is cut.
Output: 2:46:57
